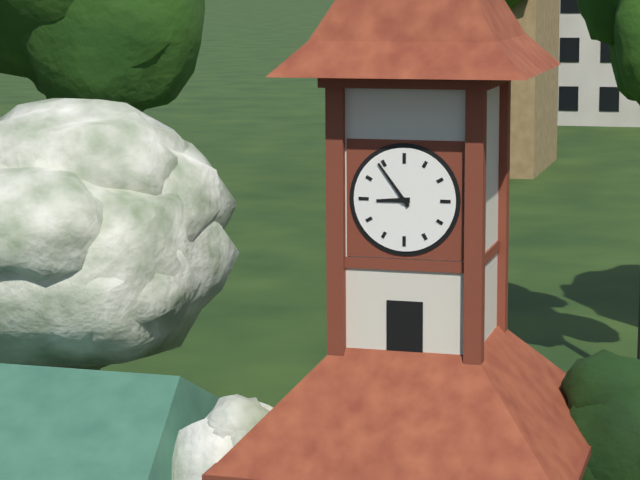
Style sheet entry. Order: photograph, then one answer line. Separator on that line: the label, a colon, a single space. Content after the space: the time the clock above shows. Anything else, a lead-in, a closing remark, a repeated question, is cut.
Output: 8:54
